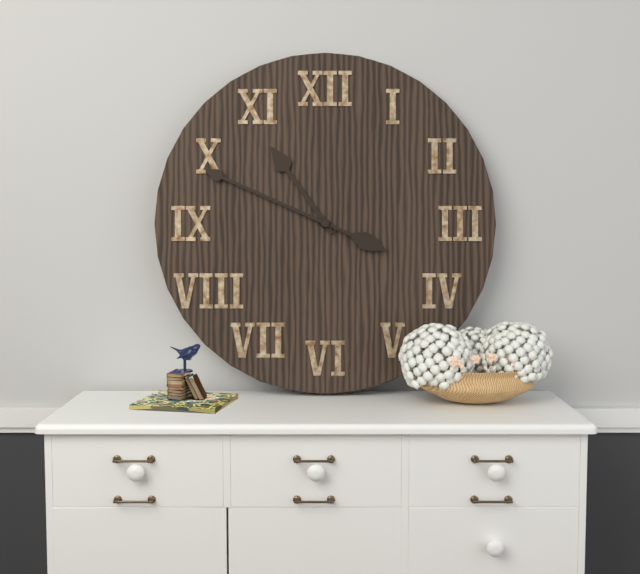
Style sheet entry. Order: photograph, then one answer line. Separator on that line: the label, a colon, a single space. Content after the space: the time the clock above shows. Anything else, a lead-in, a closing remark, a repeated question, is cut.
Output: 10:49
